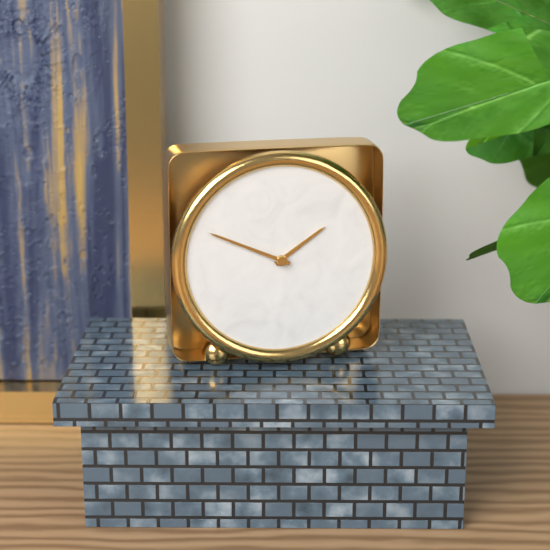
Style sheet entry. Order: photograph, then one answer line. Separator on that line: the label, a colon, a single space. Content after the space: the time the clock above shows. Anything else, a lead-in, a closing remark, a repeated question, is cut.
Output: 1:49
